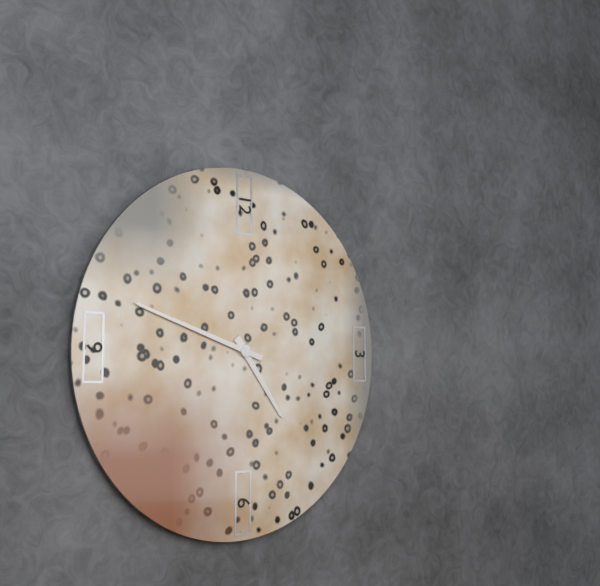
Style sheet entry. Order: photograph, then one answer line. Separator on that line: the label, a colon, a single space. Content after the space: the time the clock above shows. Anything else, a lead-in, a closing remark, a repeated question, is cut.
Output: 4:48
